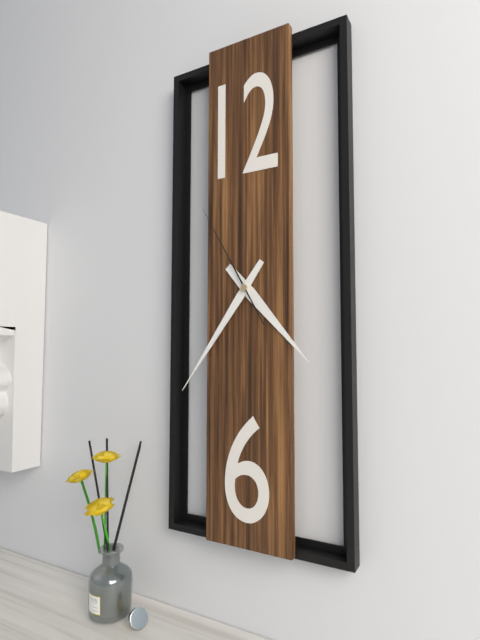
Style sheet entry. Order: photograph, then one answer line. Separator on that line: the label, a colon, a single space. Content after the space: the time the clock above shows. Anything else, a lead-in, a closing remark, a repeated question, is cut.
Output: 4:36:55
